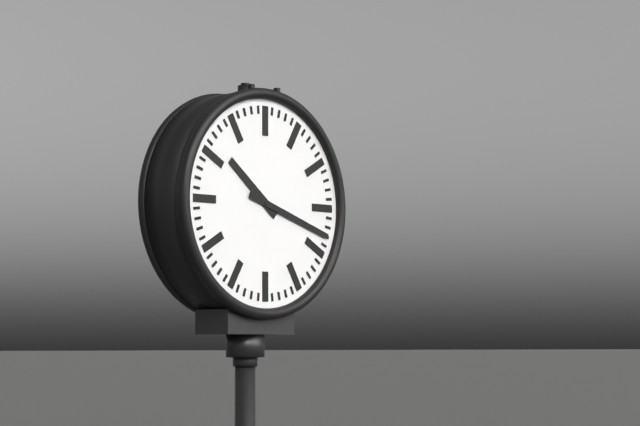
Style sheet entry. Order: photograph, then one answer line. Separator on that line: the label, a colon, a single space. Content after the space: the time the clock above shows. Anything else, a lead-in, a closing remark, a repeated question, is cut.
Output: 10:18
